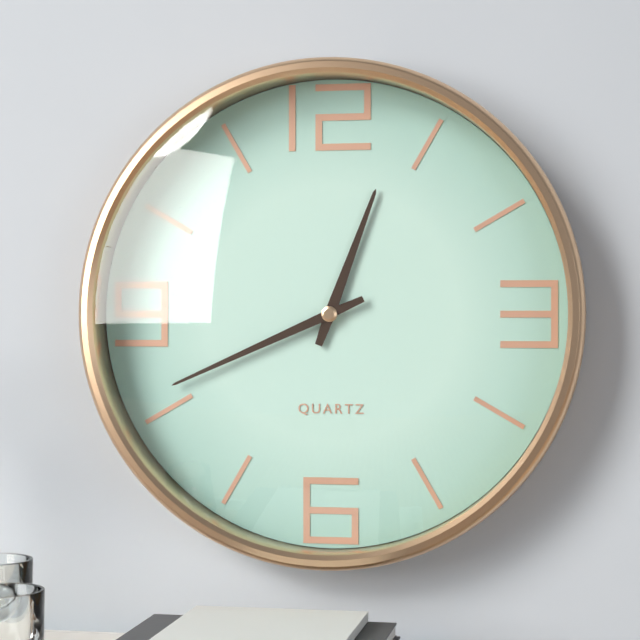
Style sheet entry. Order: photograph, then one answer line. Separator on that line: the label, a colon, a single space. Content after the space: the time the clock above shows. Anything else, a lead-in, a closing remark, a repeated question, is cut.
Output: 12:41
